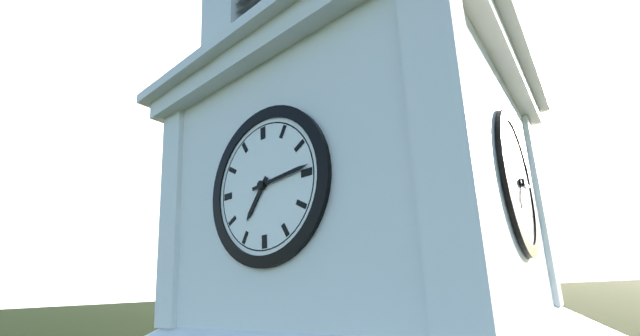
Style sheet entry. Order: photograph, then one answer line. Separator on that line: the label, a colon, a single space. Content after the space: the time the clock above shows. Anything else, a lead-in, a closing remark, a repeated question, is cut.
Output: 7:14
